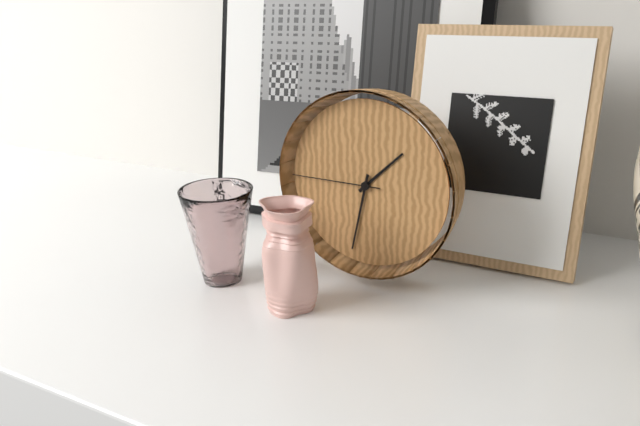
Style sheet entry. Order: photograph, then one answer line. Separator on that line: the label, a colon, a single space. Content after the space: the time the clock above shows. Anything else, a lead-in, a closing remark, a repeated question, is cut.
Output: 1:32:45
